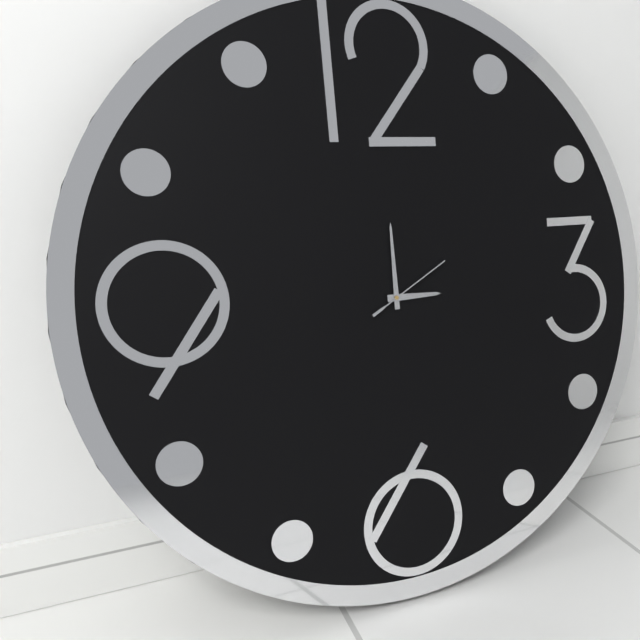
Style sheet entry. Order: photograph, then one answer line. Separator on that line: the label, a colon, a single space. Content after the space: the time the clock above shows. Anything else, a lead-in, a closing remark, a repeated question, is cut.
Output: 3:00:10
